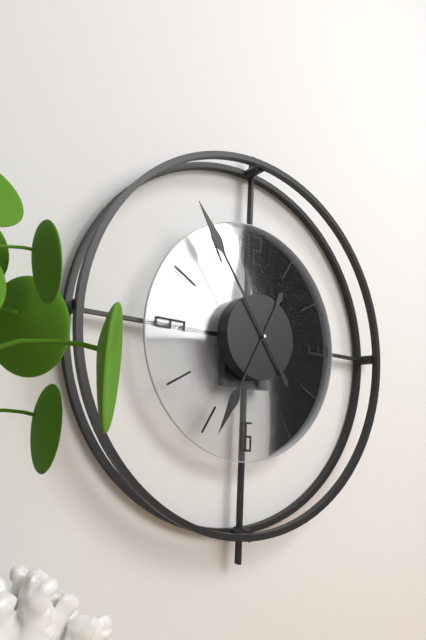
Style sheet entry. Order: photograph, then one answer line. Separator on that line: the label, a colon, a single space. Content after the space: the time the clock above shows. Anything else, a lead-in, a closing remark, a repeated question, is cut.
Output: 6:54
